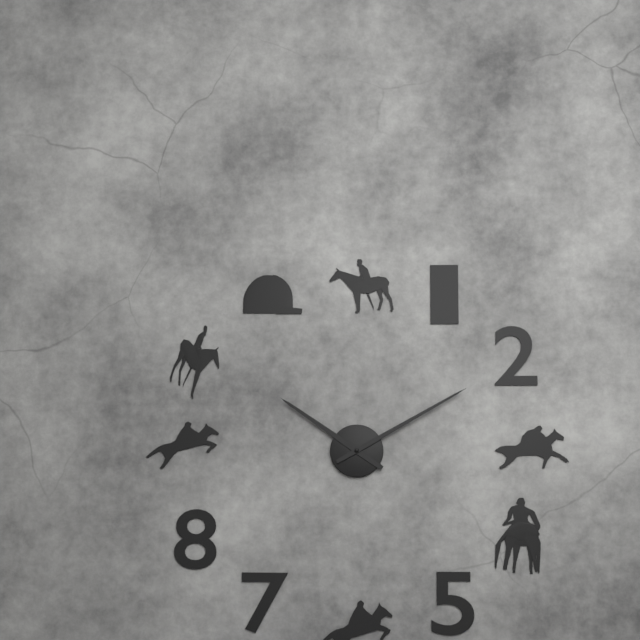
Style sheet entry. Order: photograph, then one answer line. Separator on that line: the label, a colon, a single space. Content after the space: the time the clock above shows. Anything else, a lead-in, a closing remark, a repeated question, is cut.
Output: 10:10
